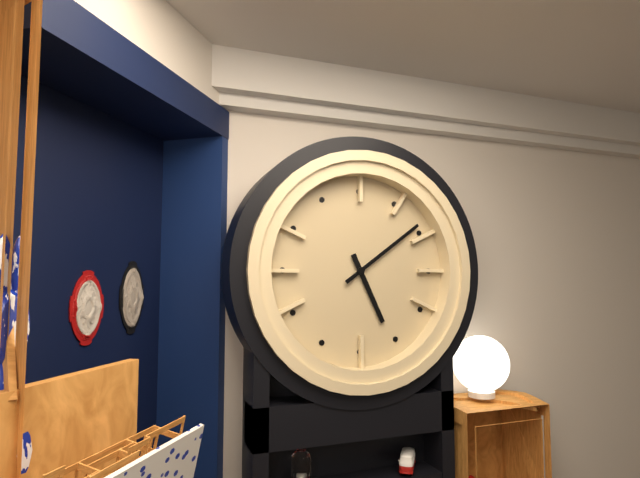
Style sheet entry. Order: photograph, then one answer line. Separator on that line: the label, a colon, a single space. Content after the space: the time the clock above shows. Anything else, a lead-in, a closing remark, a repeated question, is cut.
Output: 5:09
